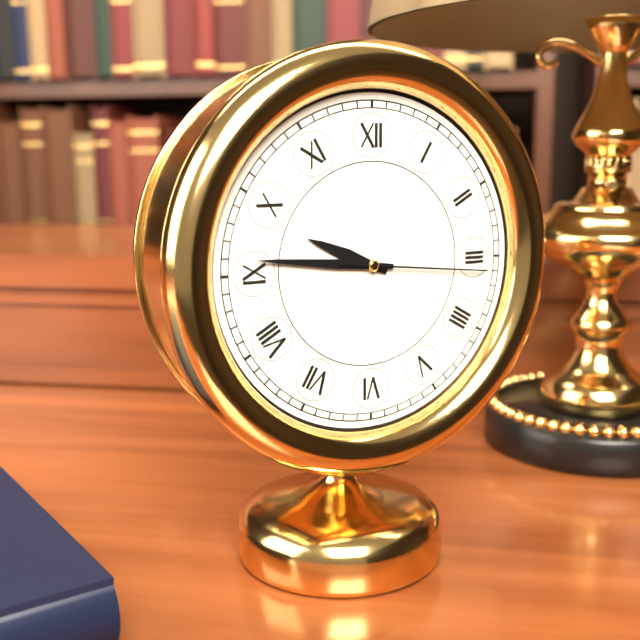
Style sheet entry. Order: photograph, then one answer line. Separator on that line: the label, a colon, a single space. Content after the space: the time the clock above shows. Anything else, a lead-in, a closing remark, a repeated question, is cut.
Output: 9:46:16
